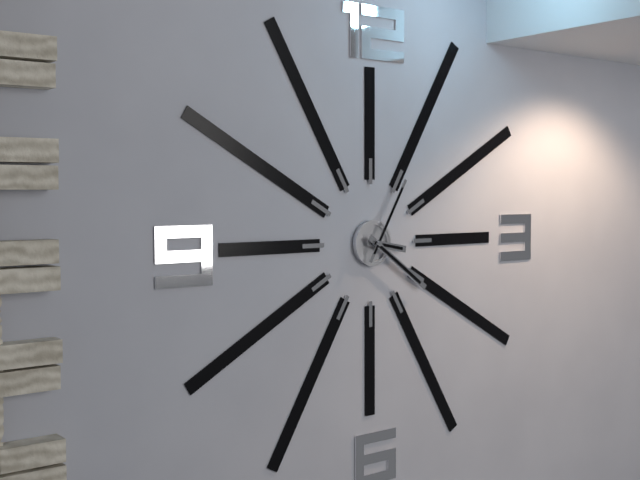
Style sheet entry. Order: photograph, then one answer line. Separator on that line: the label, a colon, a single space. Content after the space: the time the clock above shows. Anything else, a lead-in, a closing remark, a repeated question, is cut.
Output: 3:21:05
